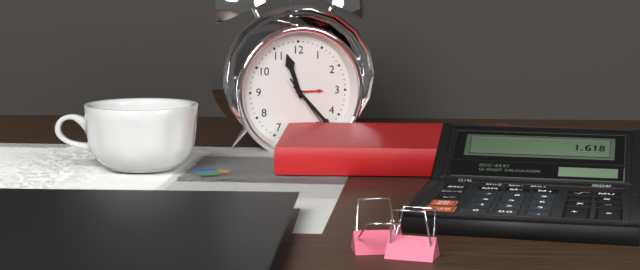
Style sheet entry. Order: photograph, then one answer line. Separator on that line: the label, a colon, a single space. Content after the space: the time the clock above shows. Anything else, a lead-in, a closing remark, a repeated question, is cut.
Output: 11:23:24
